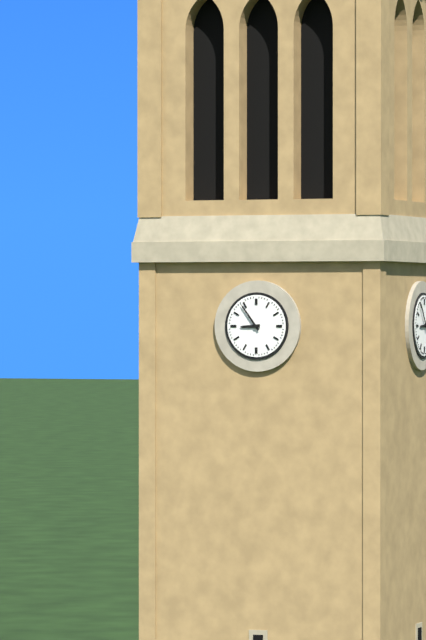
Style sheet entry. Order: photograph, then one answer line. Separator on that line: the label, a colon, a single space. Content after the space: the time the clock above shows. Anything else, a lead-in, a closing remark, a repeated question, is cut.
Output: 8:54
